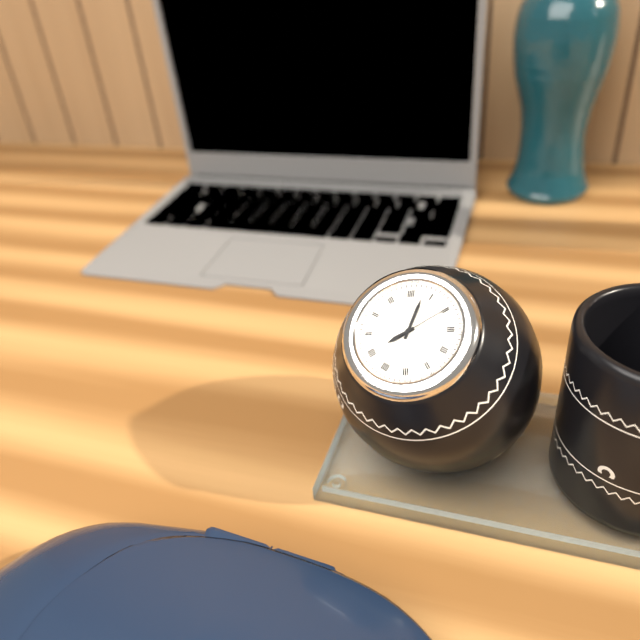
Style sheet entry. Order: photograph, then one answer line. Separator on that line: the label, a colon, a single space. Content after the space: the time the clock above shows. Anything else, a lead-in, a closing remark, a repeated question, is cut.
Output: 8:03:10
